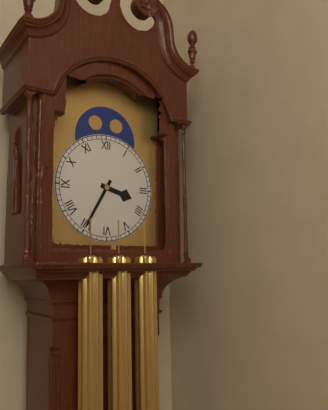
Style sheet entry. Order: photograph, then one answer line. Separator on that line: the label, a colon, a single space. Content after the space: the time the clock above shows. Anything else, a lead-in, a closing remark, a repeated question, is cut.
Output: 3:35
